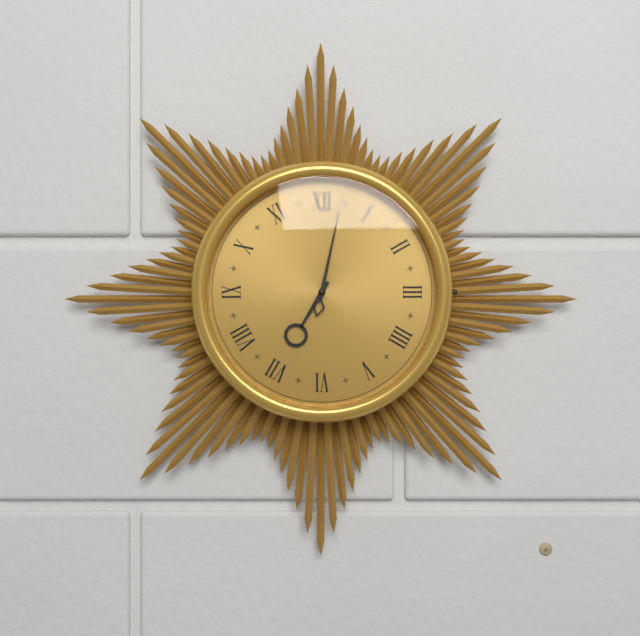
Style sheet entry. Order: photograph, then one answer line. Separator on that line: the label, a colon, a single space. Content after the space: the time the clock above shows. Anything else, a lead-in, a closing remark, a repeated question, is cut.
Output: 7:02
